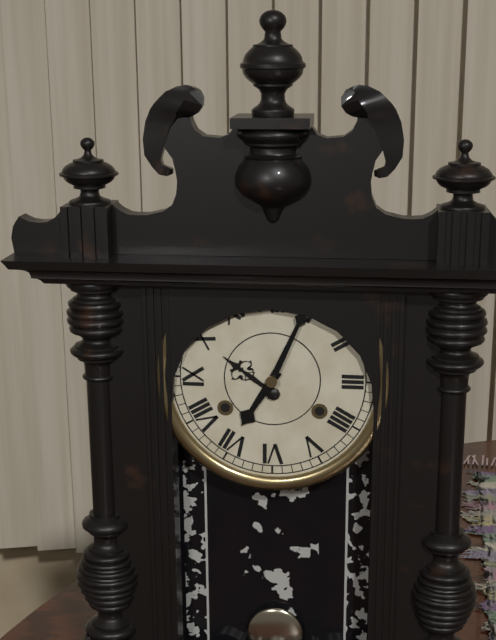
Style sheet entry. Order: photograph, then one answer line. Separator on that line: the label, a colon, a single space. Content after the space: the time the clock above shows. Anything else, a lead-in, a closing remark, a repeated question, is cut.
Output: 7:04
